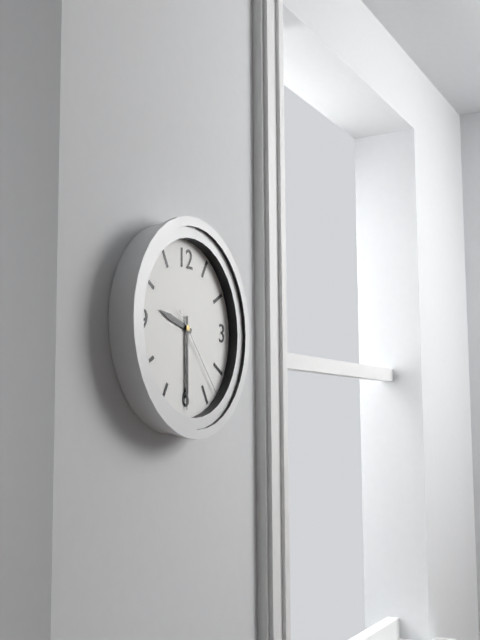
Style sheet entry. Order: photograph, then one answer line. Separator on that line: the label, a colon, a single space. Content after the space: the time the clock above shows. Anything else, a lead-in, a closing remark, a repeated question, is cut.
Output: 9:30:23
